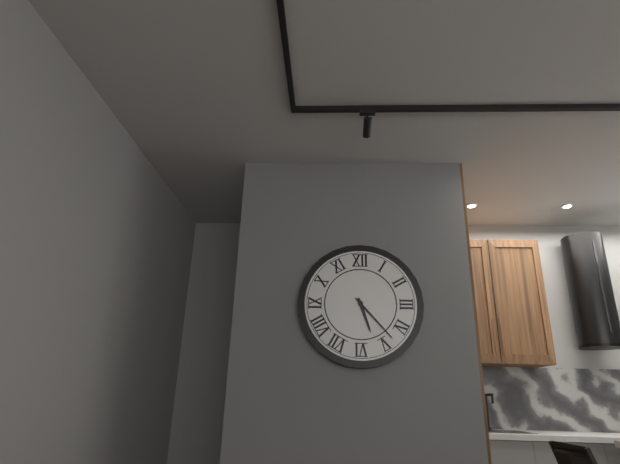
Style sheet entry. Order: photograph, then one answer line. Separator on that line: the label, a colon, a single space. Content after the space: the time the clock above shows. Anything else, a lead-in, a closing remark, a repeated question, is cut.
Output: 5:23
